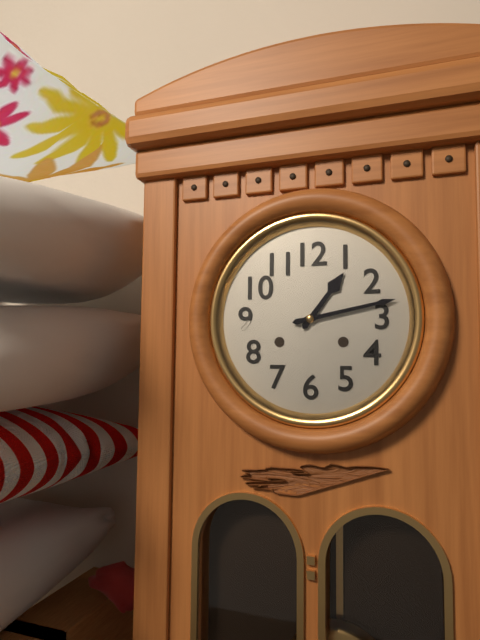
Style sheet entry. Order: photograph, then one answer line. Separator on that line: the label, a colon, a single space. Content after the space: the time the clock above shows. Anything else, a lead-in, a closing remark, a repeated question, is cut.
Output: 1:13
